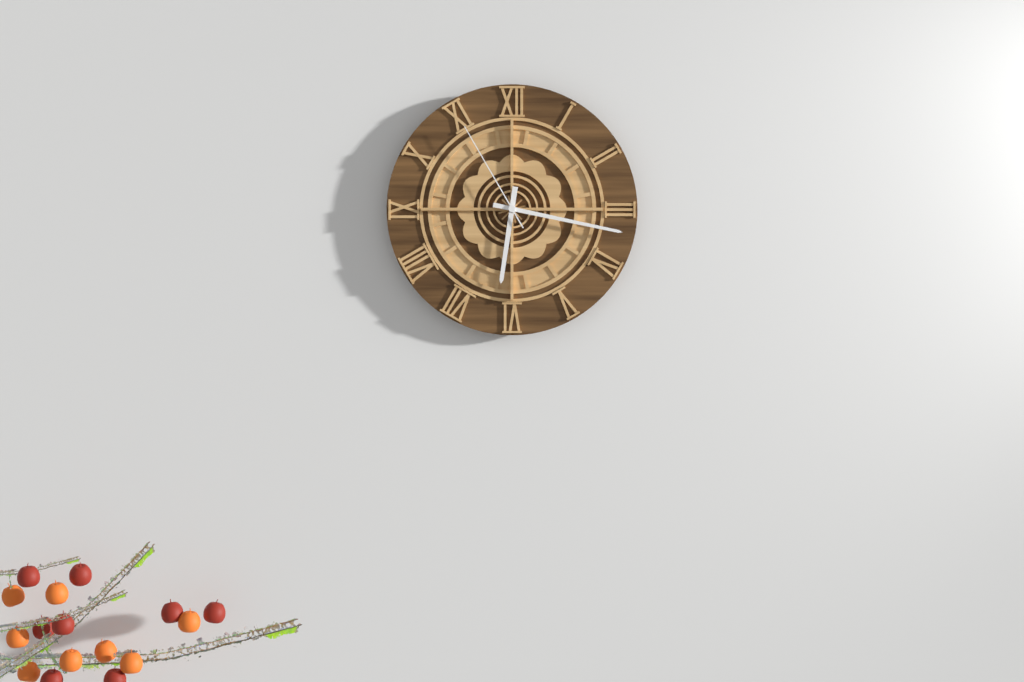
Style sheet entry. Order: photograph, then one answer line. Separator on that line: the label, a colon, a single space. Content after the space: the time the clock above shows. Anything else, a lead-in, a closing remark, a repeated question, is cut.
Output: 6:17:55
